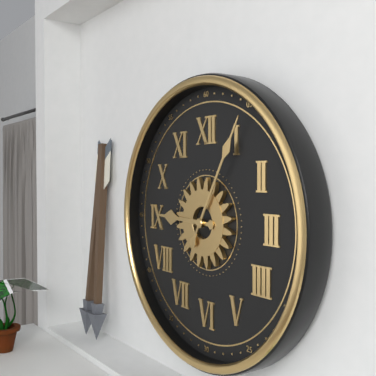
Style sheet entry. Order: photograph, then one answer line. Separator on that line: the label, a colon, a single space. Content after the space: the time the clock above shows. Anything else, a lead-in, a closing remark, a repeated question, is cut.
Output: 9:05
